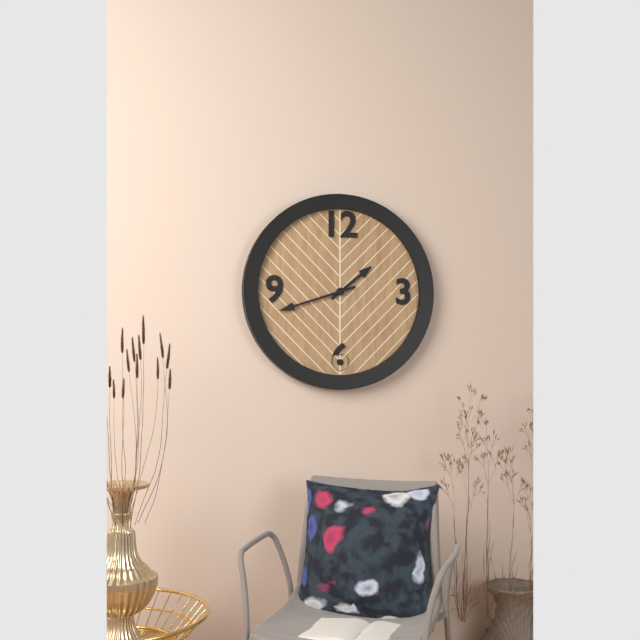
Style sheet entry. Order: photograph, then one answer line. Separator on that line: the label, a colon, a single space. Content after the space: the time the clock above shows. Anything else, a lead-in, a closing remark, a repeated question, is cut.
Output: 1:42
